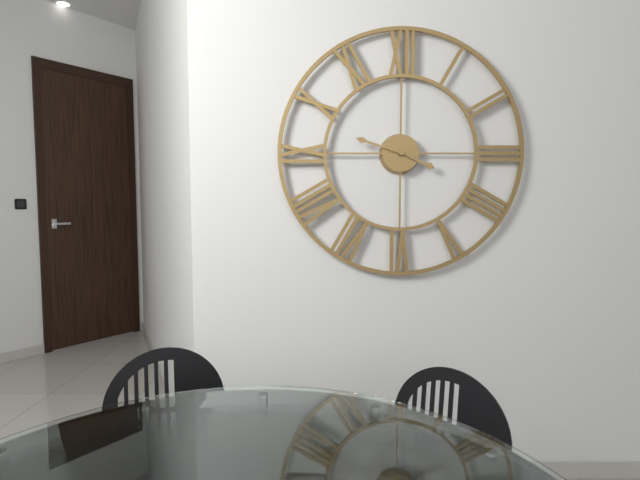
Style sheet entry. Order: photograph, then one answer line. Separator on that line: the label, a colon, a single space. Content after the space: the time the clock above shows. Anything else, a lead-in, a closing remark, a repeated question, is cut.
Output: 3:48
